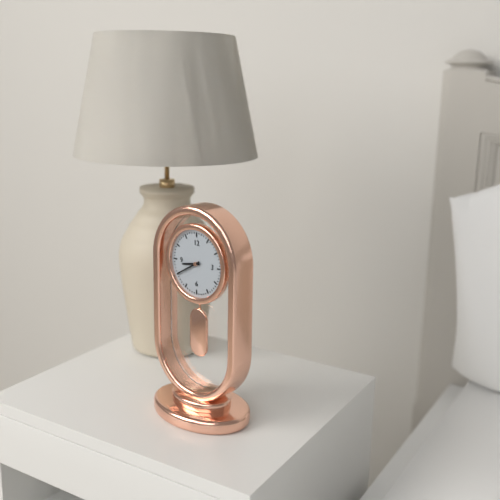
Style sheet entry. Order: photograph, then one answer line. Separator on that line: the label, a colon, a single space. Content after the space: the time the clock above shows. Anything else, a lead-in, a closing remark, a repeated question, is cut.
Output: 8:40
